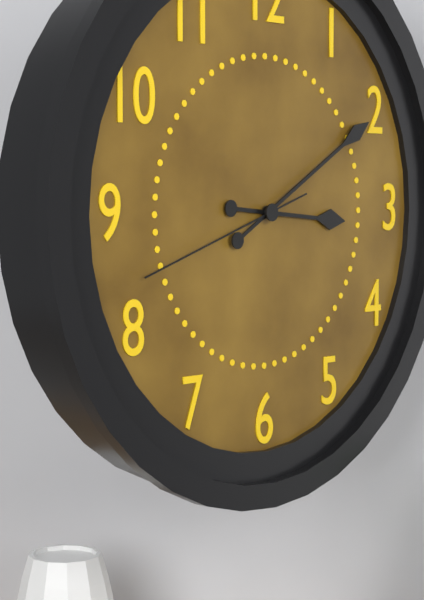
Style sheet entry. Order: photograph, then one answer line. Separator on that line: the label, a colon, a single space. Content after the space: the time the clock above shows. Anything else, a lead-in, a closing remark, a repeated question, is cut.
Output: 3:10:42
